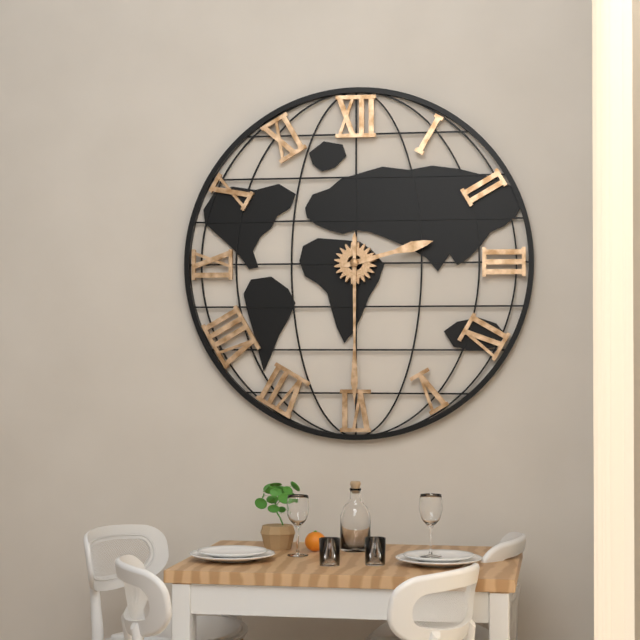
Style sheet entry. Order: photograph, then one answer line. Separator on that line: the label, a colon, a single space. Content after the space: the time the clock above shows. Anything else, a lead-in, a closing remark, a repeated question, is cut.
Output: 2:30
